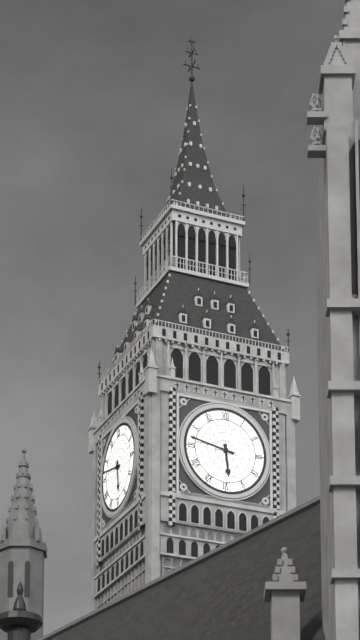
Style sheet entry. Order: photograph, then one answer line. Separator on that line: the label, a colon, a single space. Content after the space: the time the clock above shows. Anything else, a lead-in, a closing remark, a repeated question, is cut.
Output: 5:47
